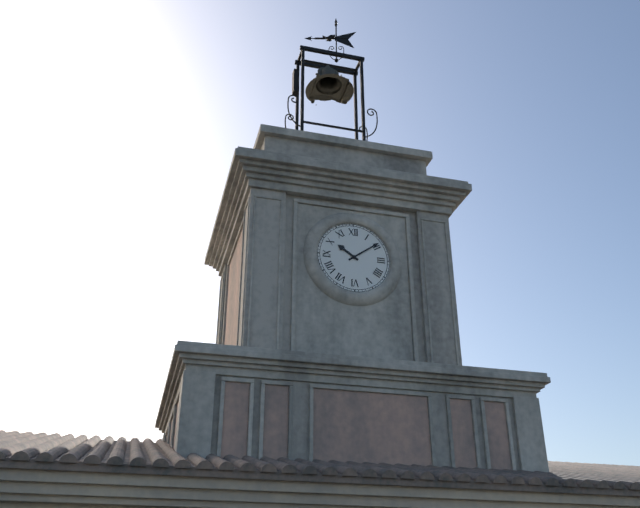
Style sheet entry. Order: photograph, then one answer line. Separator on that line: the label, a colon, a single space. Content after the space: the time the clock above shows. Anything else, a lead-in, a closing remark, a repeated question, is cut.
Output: 10:09
